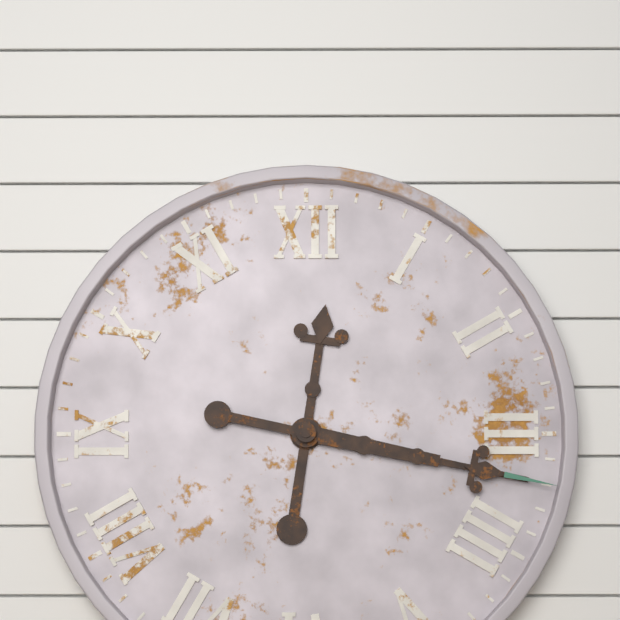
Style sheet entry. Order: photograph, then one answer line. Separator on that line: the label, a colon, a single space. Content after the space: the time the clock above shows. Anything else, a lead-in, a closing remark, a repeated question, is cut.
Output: 12:17
